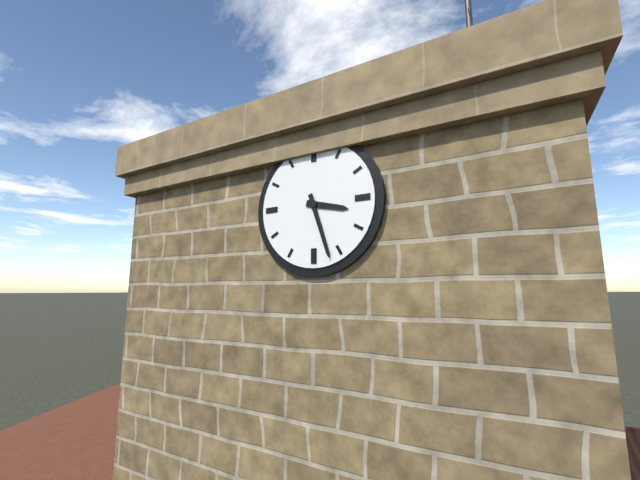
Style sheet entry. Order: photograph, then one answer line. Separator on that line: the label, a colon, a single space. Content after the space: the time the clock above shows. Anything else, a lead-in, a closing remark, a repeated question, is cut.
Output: 3:27
